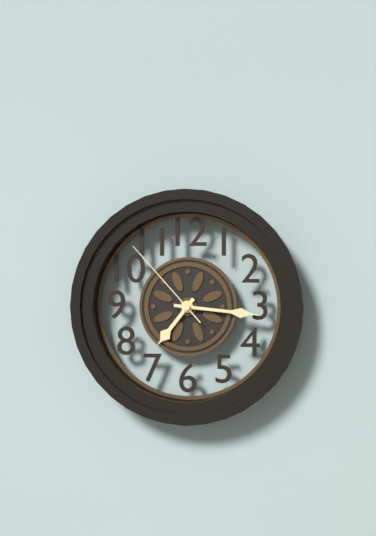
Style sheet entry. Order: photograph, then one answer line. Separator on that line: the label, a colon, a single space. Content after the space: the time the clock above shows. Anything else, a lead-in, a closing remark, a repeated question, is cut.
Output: 7:16:53
